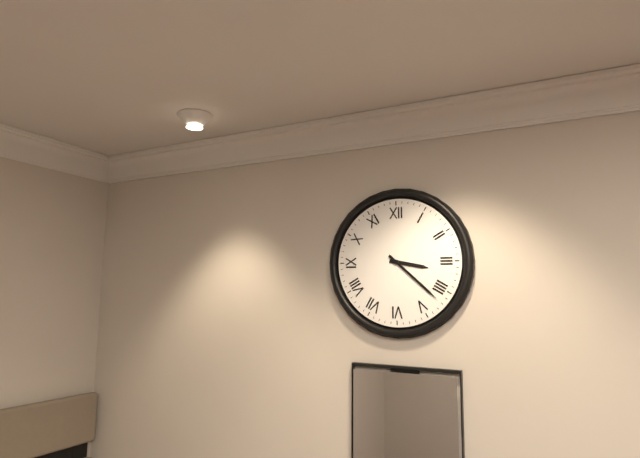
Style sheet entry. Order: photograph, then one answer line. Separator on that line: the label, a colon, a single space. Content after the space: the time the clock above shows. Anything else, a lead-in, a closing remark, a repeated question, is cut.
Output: 3:22
